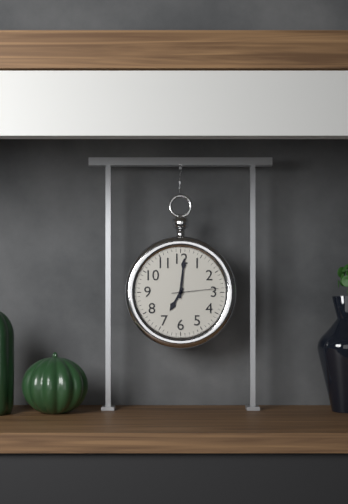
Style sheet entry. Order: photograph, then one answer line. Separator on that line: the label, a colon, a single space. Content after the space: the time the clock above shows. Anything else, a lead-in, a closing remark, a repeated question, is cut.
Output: 7:01
